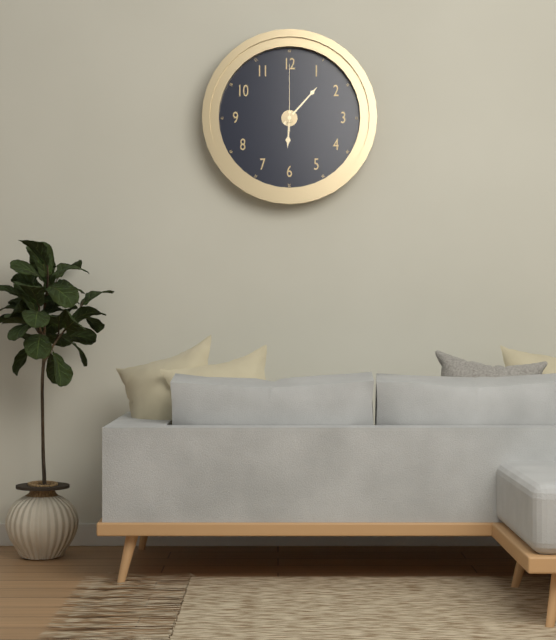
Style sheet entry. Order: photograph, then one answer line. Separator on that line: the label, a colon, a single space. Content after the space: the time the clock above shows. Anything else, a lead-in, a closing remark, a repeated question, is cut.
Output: 6:07:00
